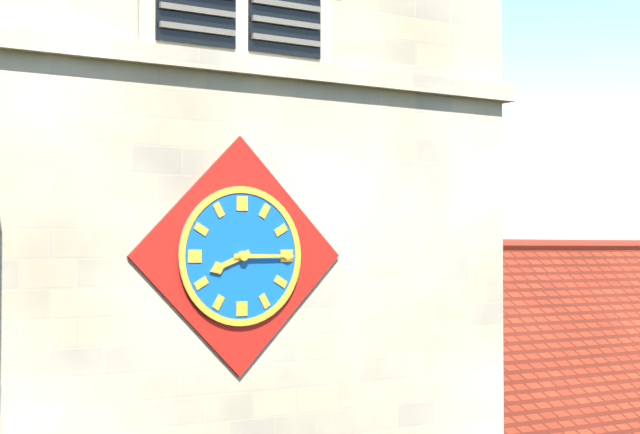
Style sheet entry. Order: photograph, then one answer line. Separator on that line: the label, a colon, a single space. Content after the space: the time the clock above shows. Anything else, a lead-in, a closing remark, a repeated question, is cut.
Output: 8:15
